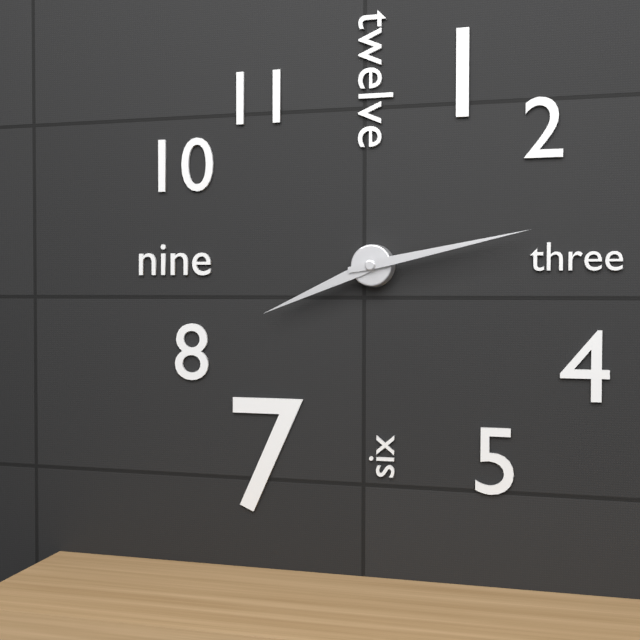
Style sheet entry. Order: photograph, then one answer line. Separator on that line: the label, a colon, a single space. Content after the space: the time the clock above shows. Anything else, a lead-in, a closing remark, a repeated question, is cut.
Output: 8:13
